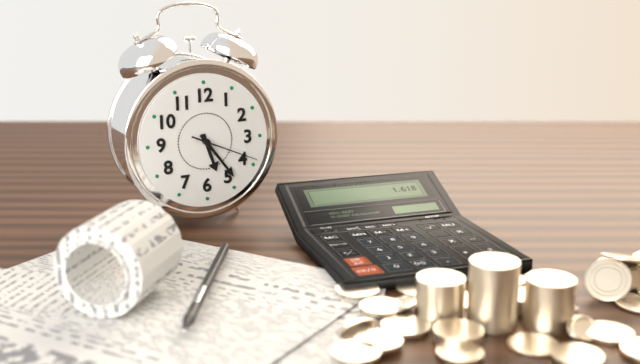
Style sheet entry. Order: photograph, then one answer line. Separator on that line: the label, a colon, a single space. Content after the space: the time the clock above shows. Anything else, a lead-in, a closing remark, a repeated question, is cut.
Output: 5:24:19
